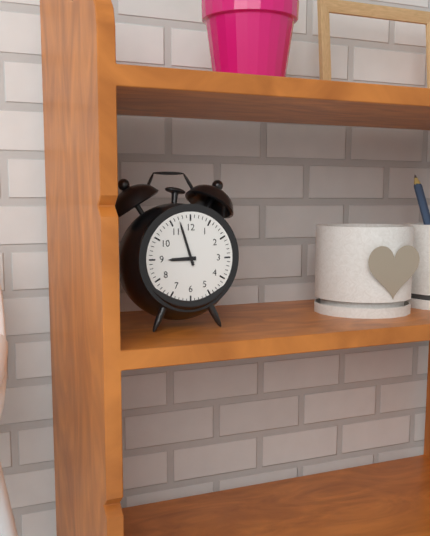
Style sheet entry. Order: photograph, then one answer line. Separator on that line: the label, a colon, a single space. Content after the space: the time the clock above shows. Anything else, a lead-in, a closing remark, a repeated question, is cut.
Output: 8:57
